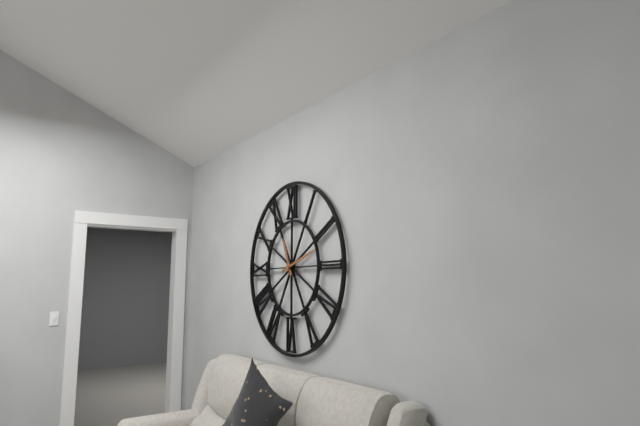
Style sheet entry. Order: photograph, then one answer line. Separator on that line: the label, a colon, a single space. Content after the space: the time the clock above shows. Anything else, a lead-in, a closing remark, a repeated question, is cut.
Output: 11:12
